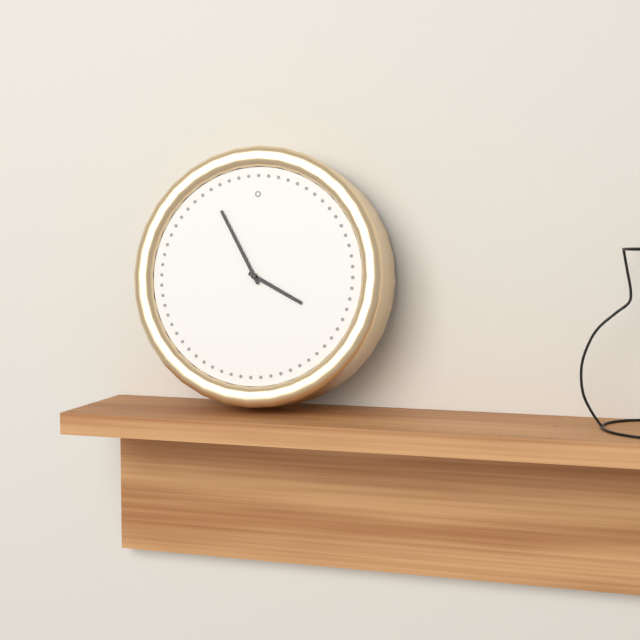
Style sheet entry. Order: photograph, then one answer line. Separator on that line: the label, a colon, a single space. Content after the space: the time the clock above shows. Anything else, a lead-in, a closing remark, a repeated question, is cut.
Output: 3:55
